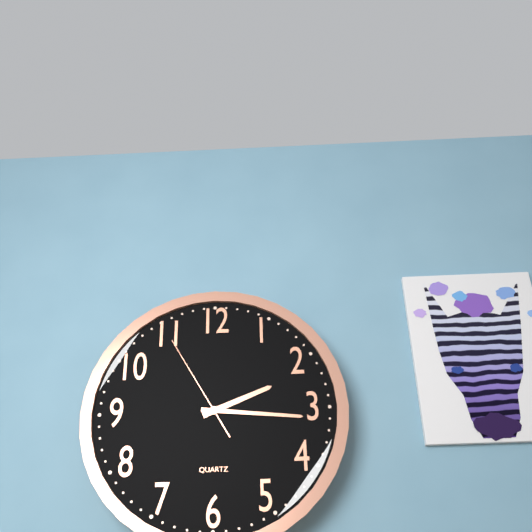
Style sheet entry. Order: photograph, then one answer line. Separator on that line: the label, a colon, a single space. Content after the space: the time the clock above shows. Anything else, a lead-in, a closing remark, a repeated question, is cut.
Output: 2:16:55
